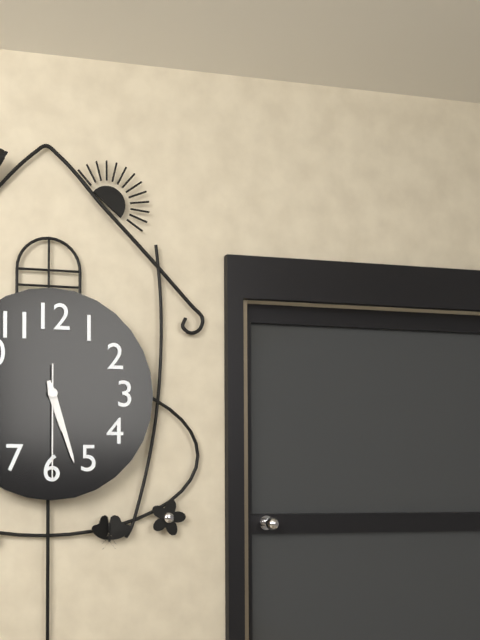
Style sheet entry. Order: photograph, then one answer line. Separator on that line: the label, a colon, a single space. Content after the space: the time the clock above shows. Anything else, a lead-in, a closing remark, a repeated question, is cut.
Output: 5:27:30
